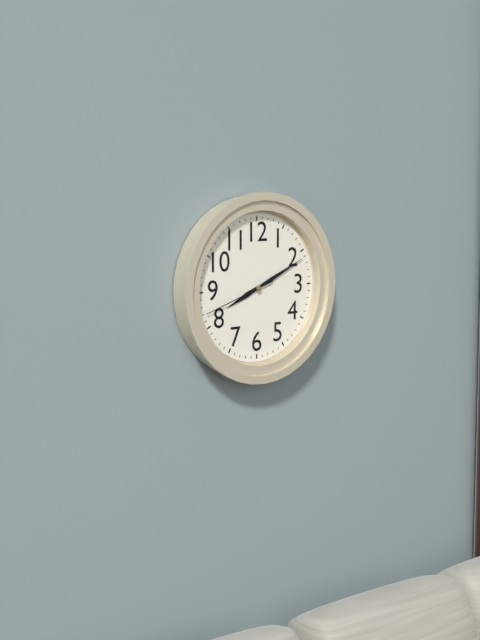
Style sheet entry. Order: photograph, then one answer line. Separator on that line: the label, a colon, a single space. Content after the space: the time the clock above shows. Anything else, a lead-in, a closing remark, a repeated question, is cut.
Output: 8:11:42
